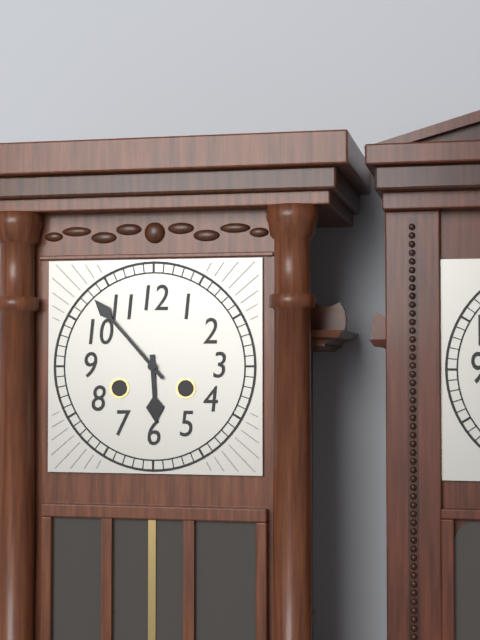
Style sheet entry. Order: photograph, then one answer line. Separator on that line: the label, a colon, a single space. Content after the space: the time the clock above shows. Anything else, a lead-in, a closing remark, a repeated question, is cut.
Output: 5:53
